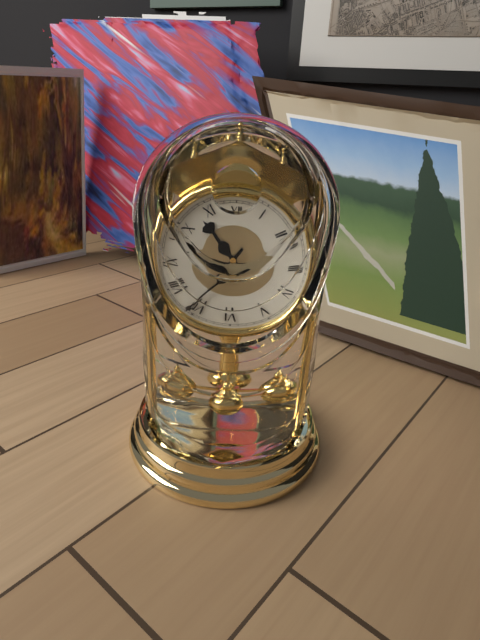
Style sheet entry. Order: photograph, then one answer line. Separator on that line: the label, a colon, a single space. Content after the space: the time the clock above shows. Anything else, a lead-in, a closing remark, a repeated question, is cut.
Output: 10:36
